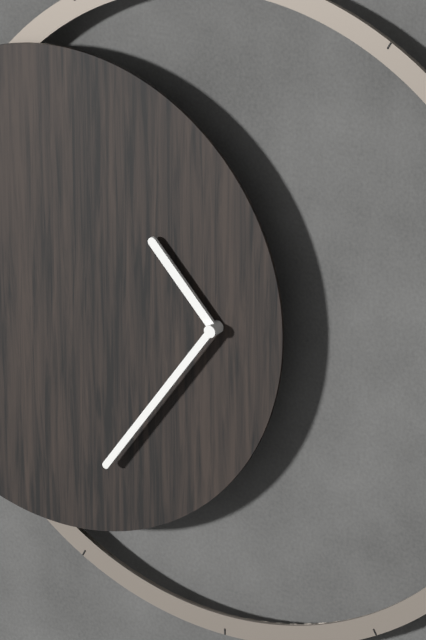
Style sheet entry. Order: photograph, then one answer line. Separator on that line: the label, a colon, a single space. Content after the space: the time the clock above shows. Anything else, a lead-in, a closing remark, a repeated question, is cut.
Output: 10:36
